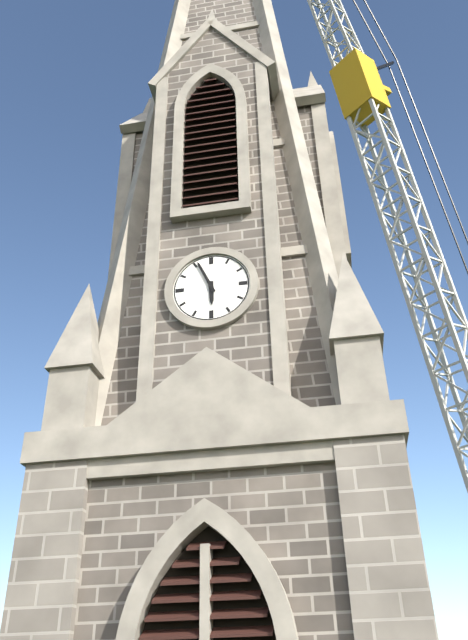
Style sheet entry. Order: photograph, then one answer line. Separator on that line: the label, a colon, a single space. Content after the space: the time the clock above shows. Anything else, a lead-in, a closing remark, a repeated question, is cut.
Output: 5:56
